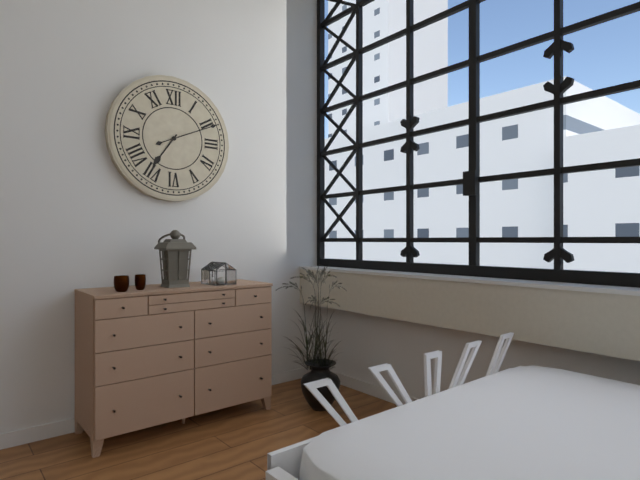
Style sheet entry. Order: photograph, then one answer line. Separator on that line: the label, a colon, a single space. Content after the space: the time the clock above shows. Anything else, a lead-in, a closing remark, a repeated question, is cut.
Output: 7:11
